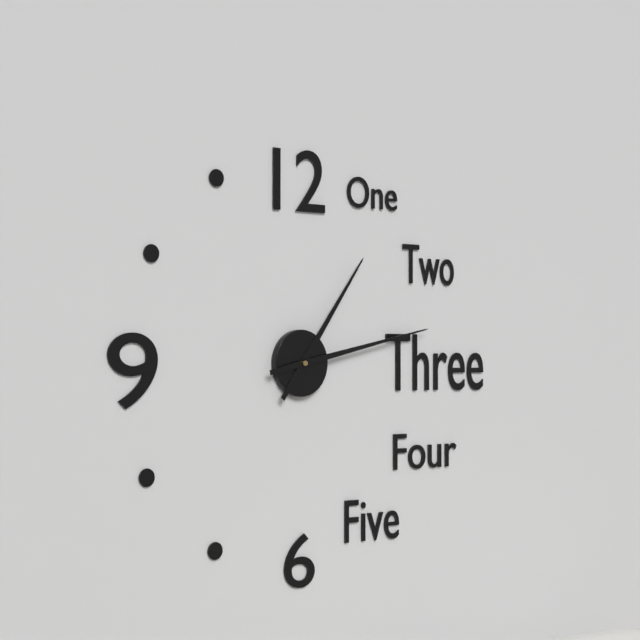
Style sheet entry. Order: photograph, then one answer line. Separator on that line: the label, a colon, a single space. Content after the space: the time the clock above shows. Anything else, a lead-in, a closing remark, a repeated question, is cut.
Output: 1:13
